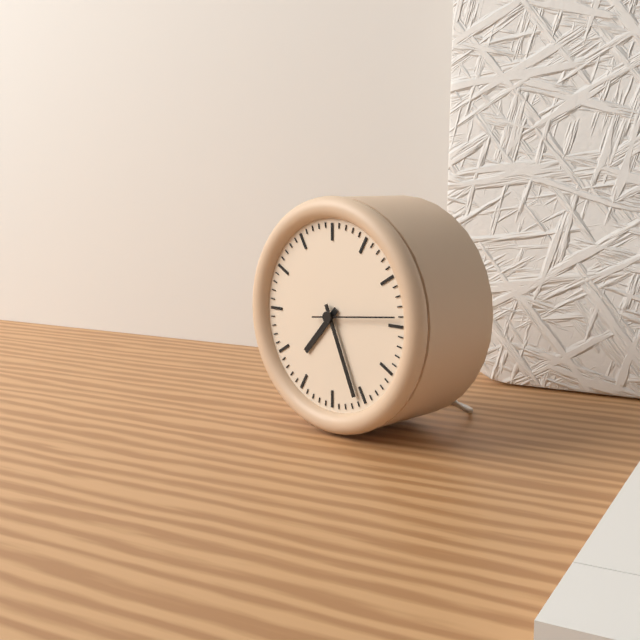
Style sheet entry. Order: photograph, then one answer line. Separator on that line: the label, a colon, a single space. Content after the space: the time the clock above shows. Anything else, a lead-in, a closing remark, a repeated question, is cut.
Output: 7:26:14
